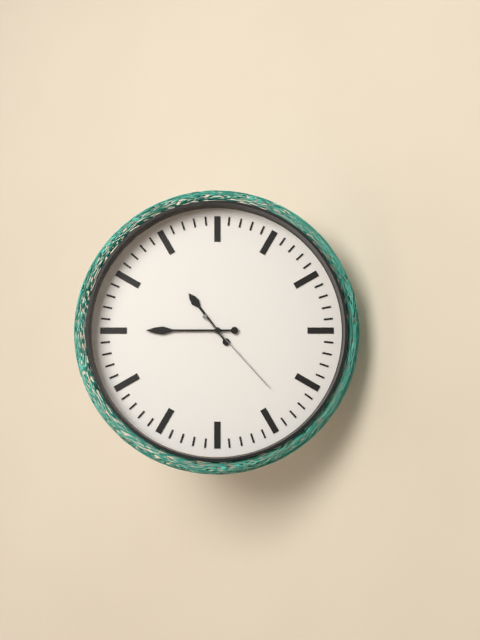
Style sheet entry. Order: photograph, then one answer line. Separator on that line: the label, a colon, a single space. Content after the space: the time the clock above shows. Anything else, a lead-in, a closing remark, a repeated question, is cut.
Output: 10:45:23
